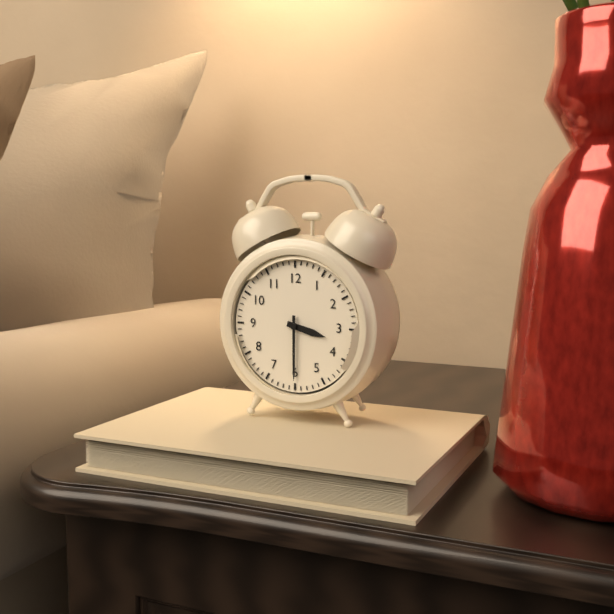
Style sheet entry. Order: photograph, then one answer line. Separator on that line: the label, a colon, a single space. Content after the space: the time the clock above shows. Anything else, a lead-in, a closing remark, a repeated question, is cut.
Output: 3:30
